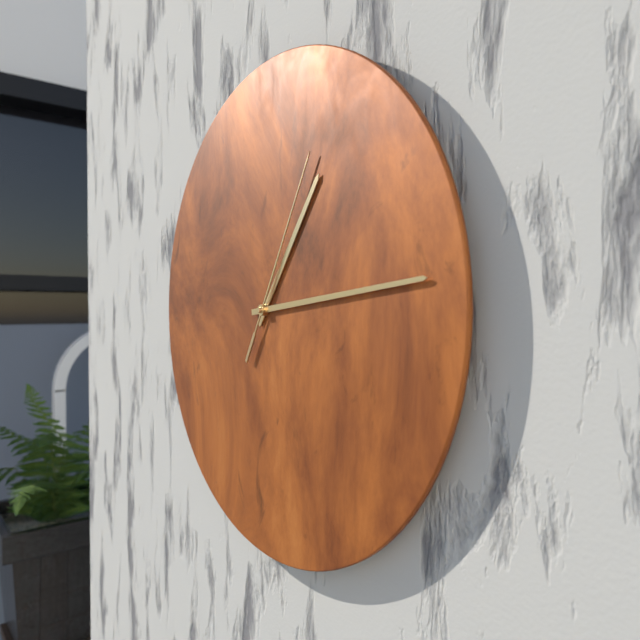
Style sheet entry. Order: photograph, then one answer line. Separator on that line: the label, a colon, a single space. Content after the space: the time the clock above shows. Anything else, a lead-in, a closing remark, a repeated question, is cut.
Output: 1:14:05
